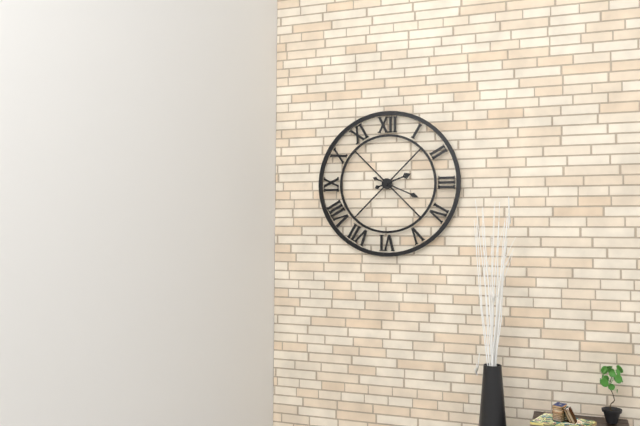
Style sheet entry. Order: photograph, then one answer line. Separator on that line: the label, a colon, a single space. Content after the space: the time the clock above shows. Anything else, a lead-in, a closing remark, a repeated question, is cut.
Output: 2:19
